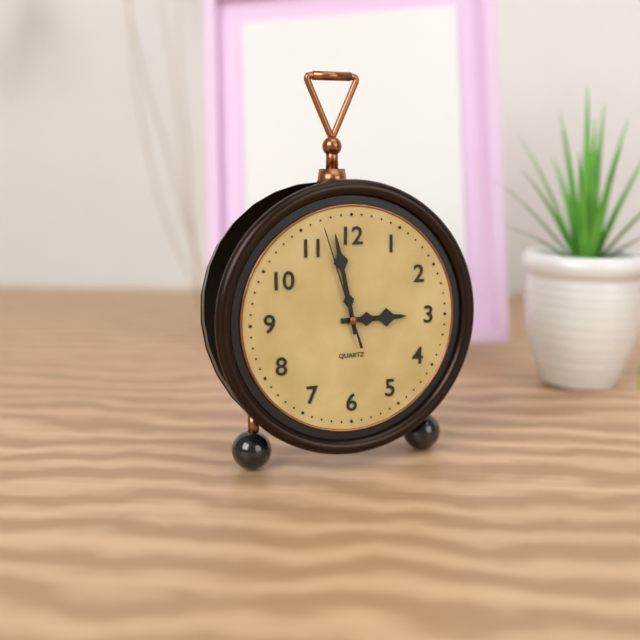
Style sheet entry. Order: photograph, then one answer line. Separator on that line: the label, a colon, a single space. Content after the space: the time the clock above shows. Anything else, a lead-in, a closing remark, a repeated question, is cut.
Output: 2:58:57
